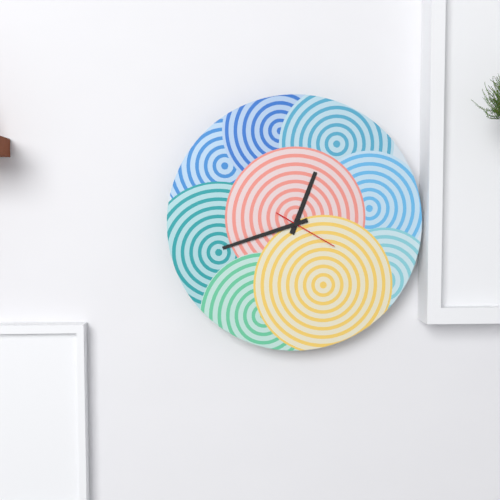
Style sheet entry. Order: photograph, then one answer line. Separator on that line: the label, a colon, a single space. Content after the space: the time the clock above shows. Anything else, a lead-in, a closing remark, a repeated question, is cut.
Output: 12:42:20
